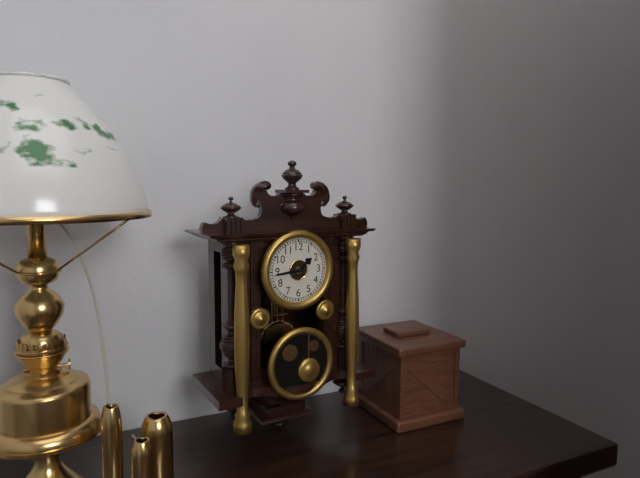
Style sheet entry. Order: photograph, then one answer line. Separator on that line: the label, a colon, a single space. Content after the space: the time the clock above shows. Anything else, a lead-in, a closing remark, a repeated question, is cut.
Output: 1:44
